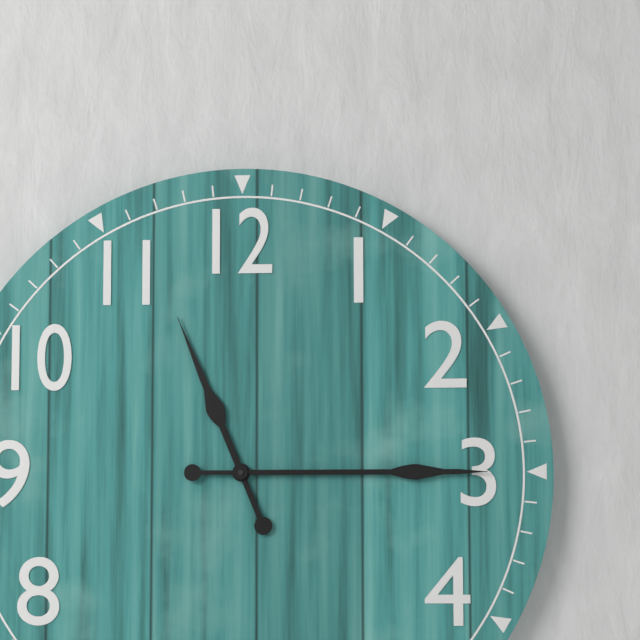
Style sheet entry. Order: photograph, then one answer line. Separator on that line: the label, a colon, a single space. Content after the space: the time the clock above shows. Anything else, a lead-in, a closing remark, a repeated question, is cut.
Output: 11:15
